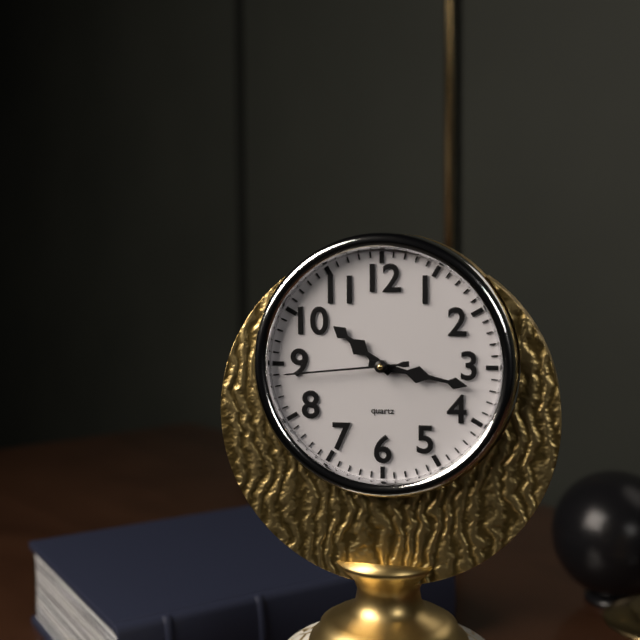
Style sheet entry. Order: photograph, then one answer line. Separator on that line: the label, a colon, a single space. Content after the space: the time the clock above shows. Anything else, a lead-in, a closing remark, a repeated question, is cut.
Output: 10:17:44
